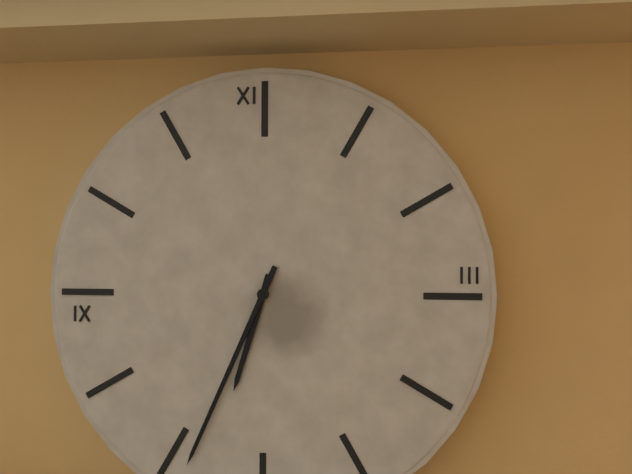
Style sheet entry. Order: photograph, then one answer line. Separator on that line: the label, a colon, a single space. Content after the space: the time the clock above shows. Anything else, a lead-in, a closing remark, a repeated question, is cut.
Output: 6:34
